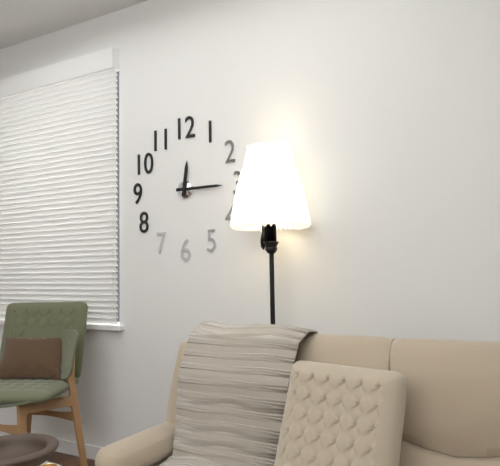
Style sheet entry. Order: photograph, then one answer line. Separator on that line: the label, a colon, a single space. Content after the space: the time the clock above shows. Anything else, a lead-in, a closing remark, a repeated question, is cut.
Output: 12:15
